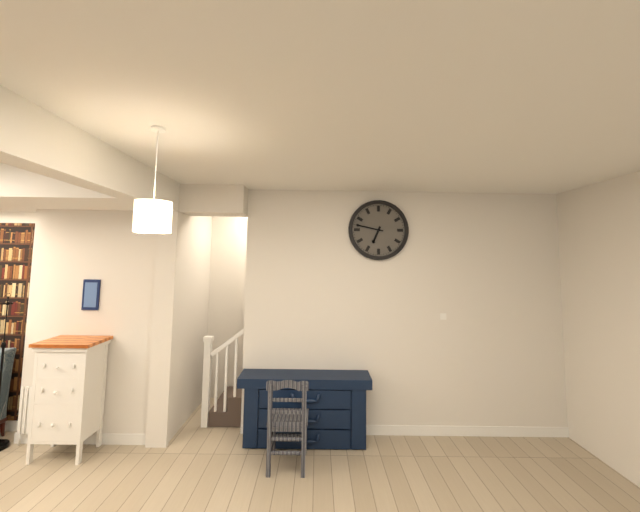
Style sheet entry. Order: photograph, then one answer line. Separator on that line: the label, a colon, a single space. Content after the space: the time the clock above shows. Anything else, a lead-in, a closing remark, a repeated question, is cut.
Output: 6:47
